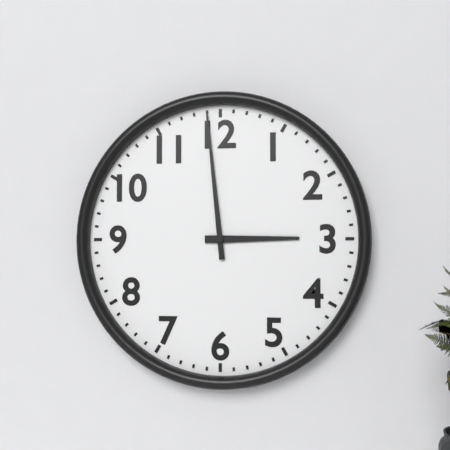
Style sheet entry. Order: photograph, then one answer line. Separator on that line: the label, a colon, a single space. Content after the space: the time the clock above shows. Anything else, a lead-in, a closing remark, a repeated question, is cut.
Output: 2:59
